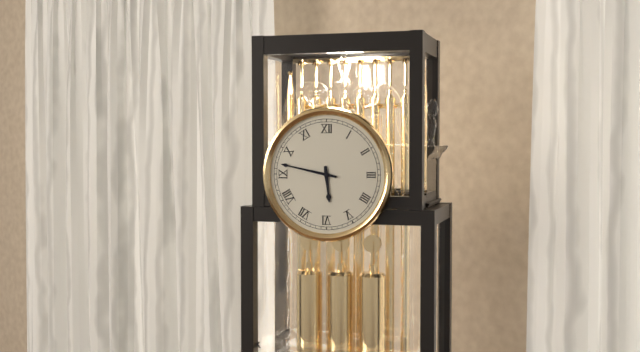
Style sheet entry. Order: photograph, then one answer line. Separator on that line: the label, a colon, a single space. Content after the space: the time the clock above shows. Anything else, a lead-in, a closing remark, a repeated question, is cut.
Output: 5:47
